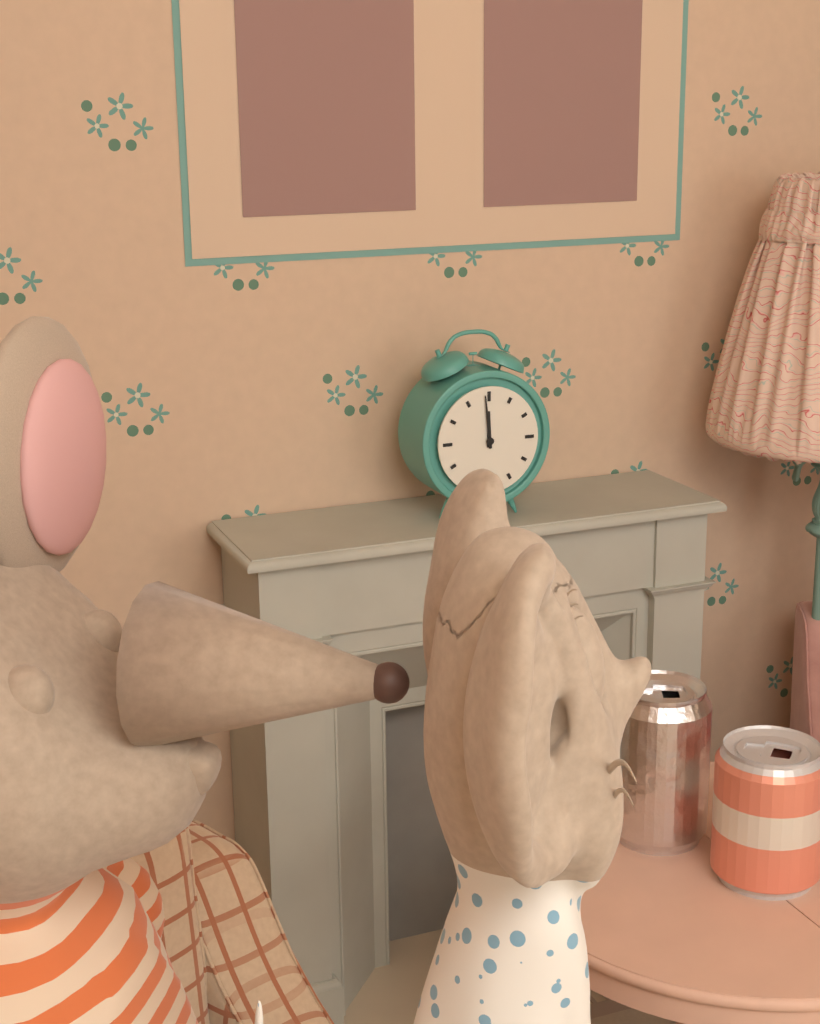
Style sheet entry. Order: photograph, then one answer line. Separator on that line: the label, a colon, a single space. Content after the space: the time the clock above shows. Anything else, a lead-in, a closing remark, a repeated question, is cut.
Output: 11:59
